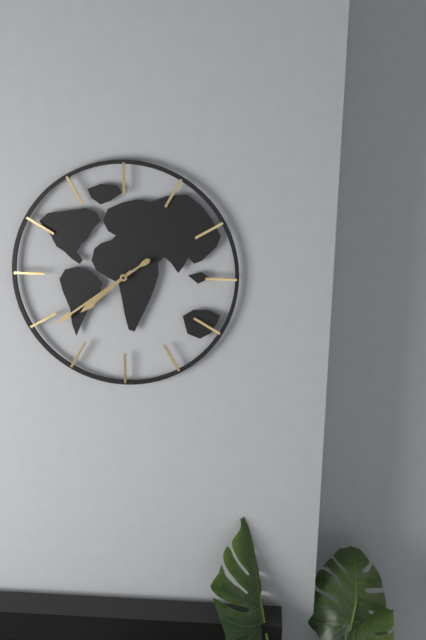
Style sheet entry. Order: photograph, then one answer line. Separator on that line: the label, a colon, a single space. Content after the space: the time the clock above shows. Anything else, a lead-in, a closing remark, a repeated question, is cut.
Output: 7:39
